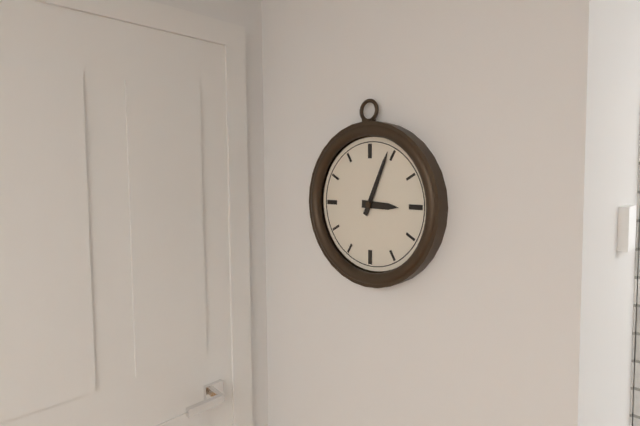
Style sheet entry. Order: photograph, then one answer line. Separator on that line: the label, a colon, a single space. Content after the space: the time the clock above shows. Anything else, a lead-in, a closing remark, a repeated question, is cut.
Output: 3:04
